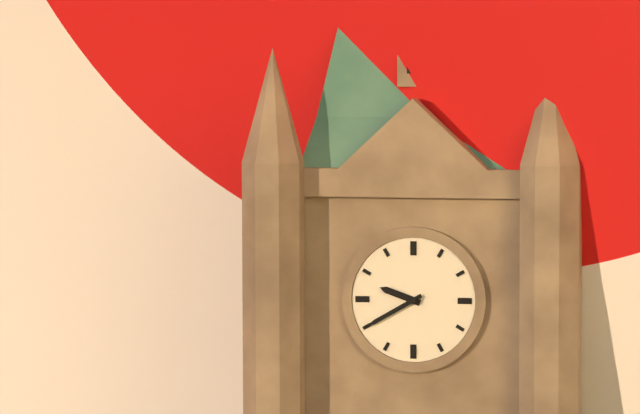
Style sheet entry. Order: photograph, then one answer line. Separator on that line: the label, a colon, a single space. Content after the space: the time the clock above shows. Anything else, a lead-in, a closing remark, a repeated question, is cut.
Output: 9:40
